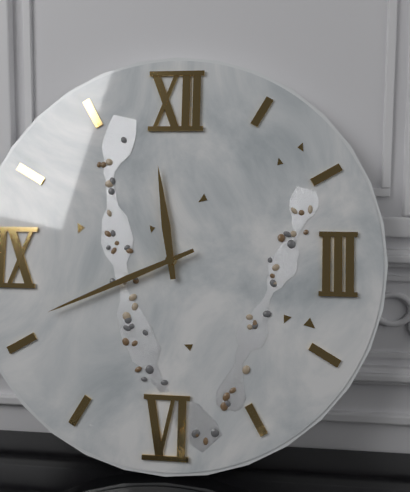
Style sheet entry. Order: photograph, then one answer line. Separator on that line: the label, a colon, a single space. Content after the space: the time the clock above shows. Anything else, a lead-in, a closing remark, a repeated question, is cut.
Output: 11:41
